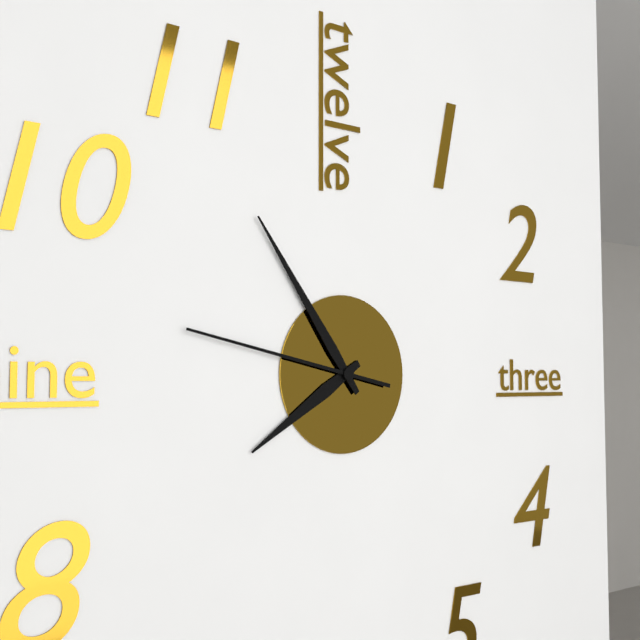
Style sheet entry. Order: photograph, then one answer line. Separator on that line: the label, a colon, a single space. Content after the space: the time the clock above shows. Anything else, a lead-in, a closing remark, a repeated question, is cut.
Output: 7:54:47
